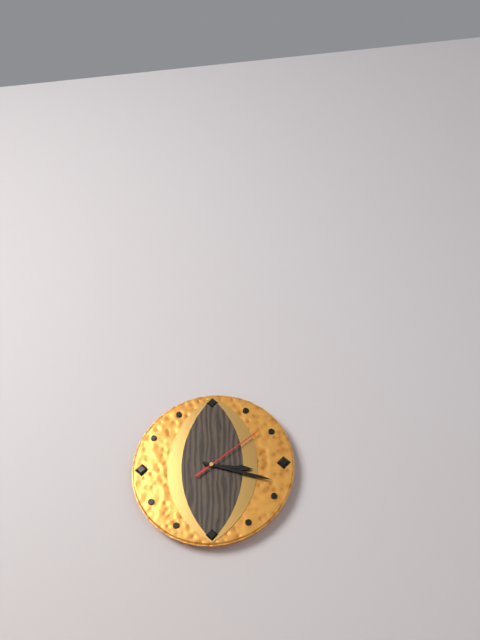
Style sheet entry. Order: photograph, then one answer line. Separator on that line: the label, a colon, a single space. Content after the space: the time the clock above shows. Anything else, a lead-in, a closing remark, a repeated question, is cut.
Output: 3:18:09
